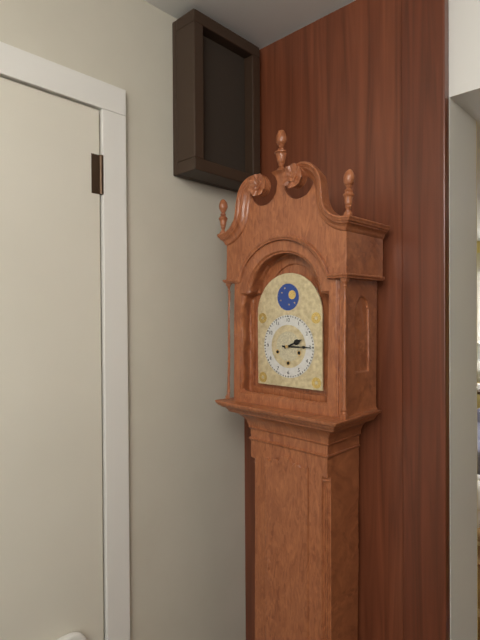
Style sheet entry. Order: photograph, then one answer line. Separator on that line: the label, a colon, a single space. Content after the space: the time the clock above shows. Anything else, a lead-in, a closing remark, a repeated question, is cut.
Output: 2:15
